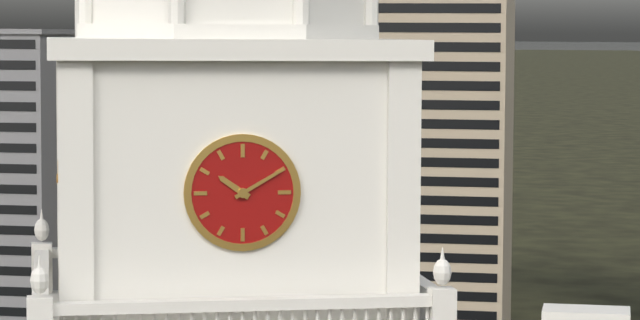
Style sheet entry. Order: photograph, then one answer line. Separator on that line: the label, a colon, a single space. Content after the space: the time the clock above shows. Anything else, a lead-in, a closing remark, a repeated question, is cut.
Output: 10:10
